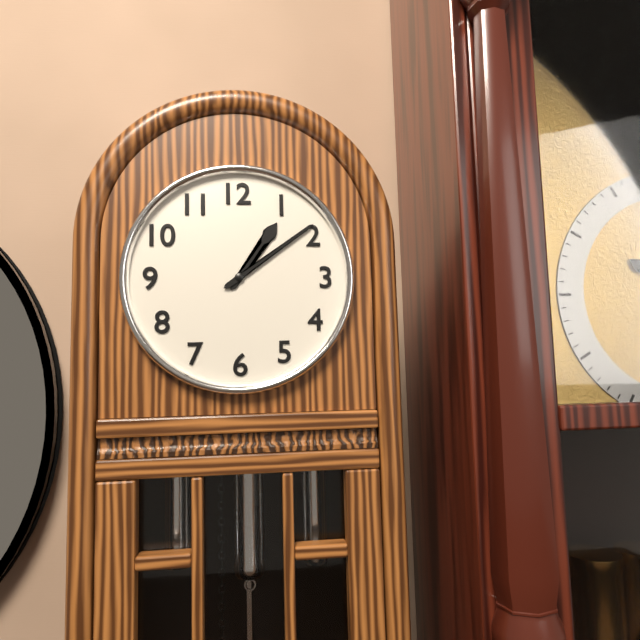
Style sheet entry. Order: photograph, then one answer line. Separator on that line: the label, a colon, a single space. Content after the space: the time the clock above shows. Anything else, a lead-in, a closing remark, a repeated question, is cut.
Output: 1:09
